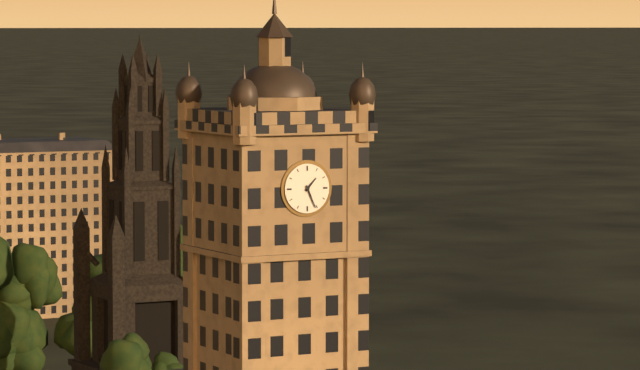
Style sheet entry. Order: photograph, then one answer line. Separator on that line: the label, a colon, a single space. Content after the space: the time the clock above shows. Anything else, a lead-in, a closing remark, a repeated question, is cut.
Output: 1:26
